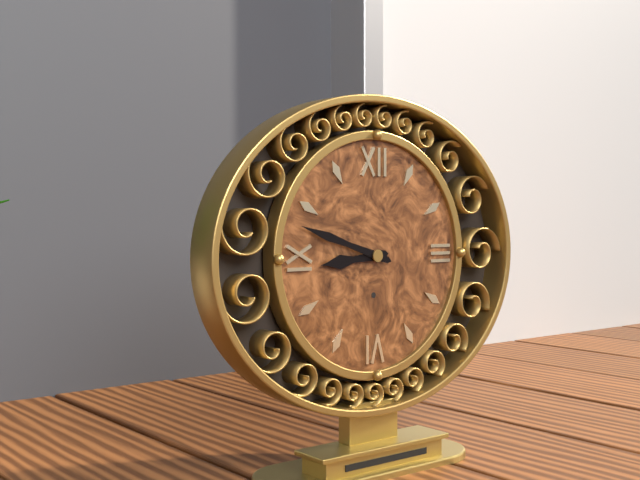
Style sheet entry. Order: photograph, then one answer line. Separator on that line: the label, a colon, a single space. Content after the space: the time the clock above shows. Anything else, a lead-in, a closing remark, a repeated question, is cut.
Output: 8:48
